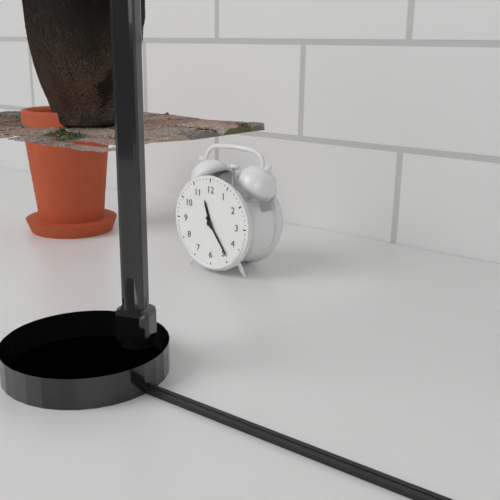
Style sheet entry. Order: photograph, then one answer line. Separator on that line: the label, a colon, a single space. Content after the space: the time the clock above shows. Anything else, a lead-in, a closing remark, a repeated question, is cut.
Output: 11:24
